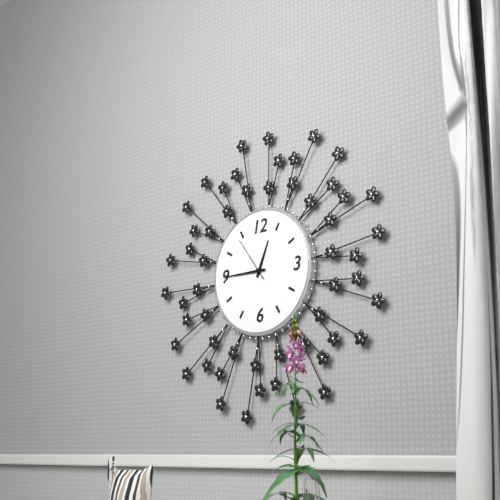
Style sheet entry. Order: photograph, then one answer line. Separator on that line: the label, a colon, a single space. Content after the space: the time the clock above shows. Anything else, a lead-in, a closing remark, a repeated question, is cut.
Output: 12:45
